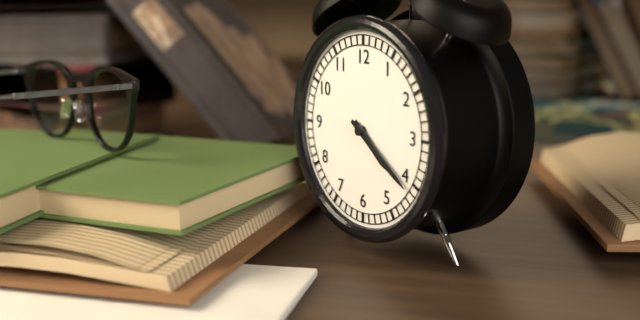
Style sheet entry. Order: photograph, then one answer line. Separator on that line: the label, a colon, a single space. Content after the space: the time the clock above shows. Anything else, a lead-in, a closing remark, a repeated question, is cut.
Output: 4:21
